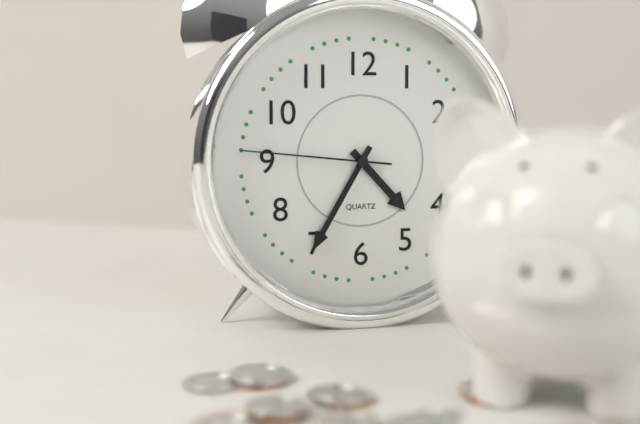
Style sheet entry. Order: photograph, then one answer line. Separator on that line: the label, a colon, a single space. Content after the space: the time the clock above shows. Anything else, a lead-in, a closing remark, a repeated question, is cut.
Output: 4:35:46
